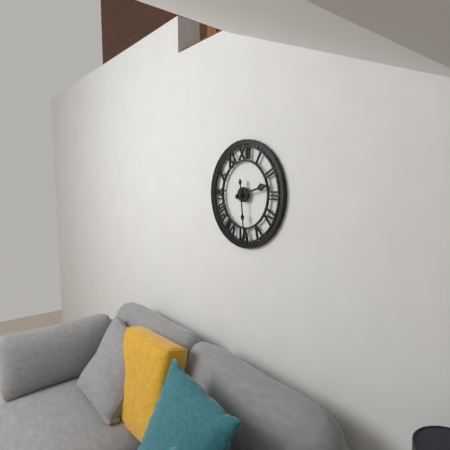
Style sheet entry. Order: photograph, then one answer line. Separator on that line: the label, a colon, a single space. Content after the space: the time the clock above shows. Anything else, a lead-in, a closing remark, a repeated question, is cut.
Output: 2:29
